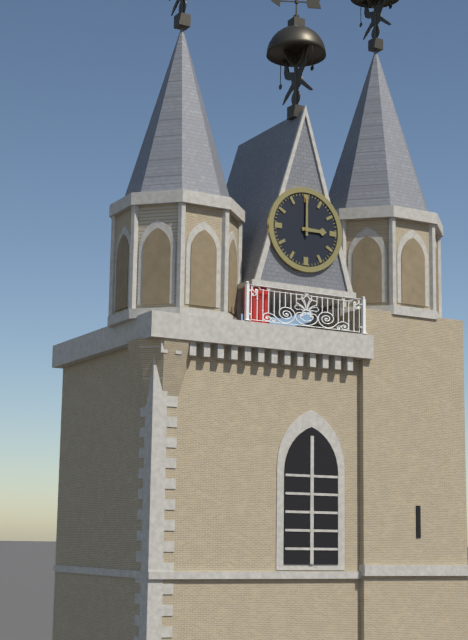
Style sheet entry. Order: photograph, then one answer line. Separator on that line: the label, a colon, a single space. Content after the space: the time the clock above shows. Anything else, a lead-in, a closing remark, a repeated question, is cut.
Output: 3:00
